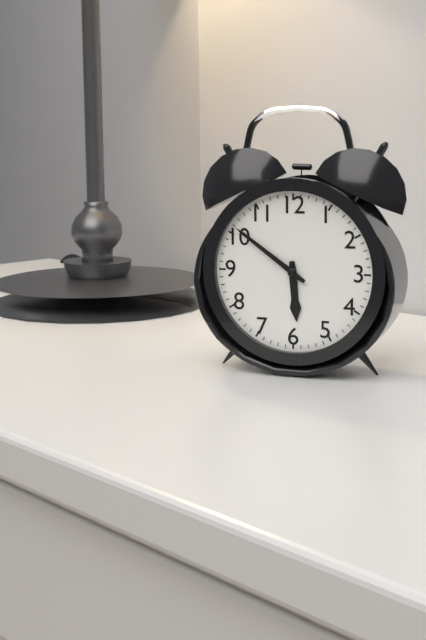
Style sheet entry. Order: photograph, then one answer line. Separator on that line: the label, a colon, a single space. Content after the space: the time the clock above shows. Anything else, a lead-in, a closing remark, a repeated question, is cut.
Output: 5:51
